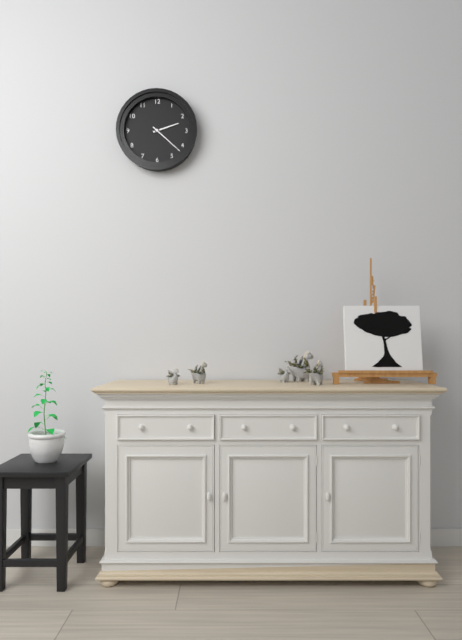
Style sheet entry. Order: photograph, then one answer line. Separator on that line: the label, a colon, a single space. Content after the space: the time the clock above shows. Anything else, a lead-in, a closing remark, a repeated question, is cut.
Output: 2:22
